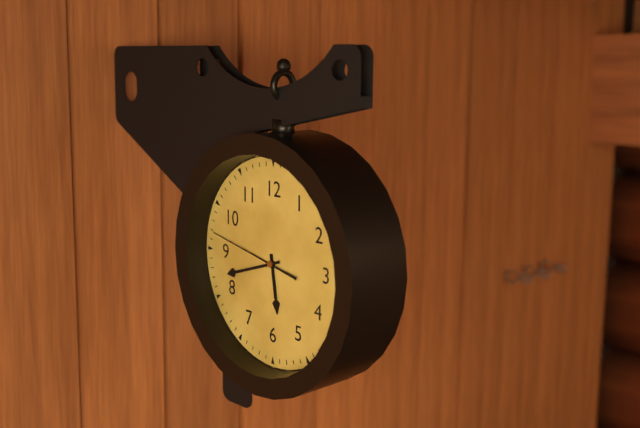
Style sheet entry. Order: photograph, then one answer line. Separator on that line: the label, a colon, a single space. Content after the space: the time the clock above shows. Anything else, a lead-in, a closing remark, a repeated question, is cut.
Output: 5:42:47
